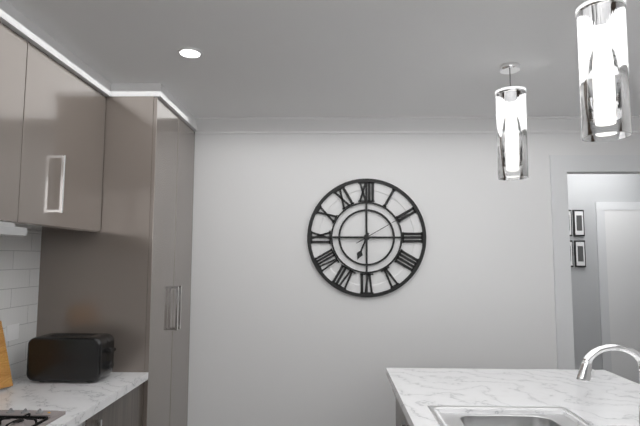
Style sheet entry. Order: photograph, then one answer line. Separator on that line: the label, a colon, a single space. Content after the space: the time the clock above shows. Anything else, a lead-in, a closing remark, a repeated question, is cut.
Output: 6:45:10
